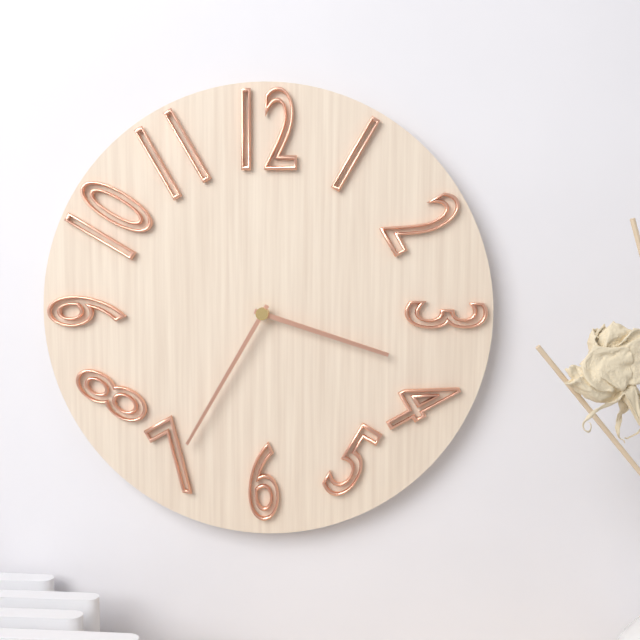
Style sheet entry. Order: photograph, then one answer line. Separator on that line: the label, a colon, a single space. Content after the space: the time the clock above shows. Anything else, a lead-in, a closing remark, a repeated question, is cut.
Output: 3:35
